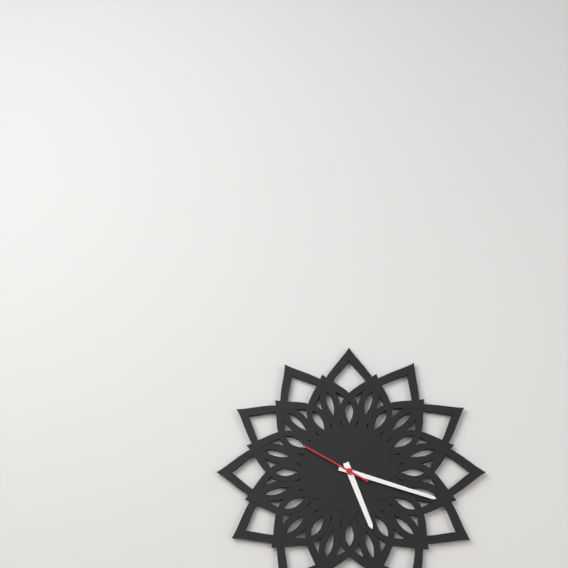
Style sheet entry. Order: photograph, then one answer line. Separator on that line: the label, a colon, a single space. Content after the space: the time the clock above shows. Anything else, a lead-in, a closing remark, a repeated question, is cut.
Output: 5:18:50
